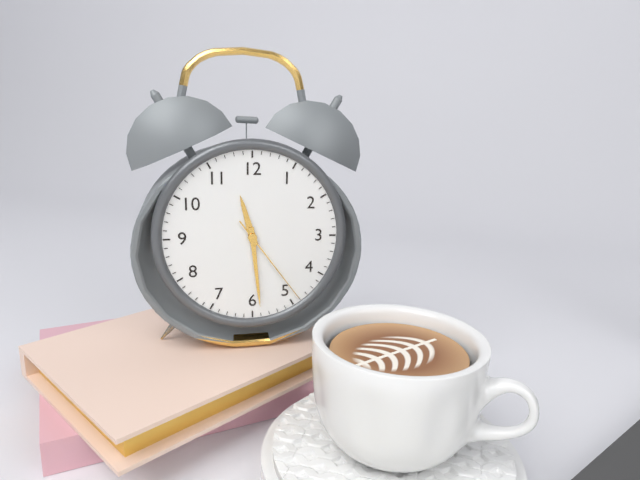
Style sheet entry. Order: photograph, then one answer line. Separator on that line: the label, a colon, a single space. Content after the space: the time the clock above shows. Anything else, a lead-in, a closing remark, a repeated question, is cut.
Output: 11:29:24
